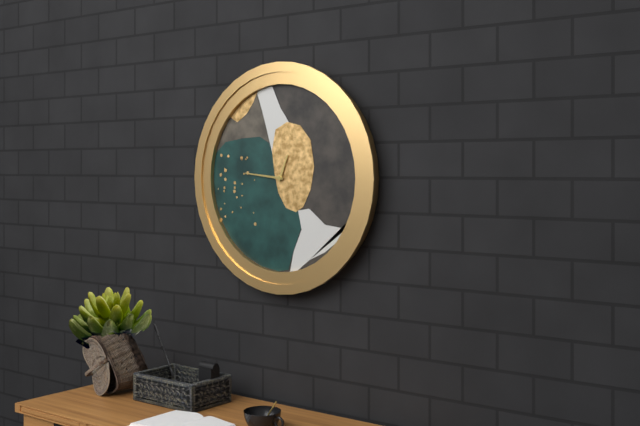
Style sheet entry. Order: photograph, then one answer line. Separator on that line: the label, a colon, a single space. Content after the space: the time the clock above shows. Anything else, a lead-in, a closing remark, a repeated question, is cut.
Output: 12:46
